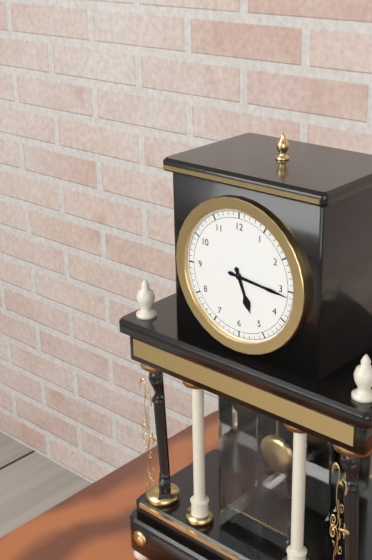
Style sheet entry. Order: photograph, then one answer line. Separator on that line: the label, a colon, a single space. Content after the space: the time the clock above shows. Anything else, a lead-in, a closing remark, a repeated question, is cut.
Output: 5:16
